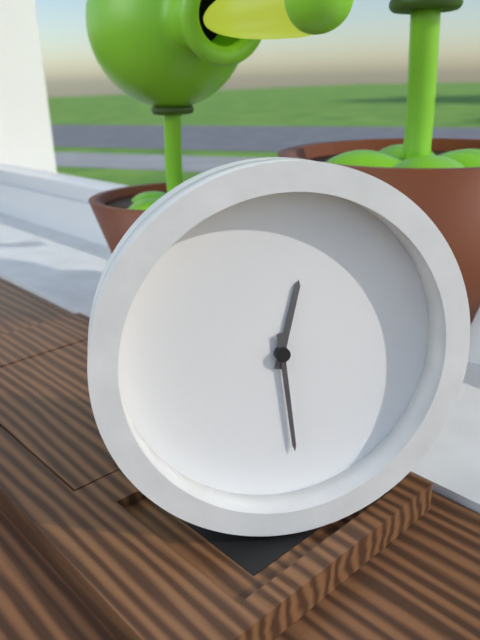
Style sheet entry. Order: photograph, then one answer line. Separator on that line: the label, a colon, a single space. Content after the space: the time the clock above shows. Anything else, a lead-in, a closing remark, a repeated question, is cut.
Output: 12:29
